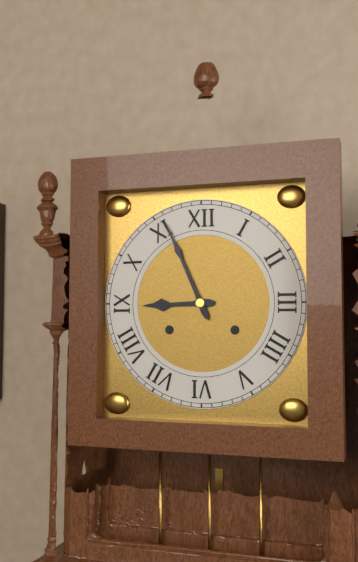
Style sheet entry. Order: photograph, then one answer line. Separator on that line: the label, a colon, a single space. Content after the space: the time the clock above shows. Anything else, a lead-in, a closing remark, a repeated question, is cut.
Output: 8:56
